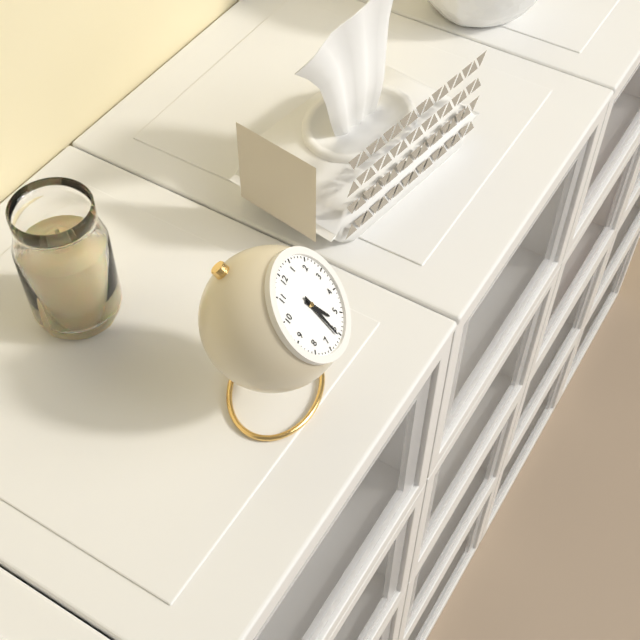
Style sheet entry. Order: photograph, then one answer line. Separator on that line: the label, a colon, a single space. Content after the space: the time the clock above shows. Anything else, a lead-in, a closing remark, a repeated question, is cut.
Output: 5:31
